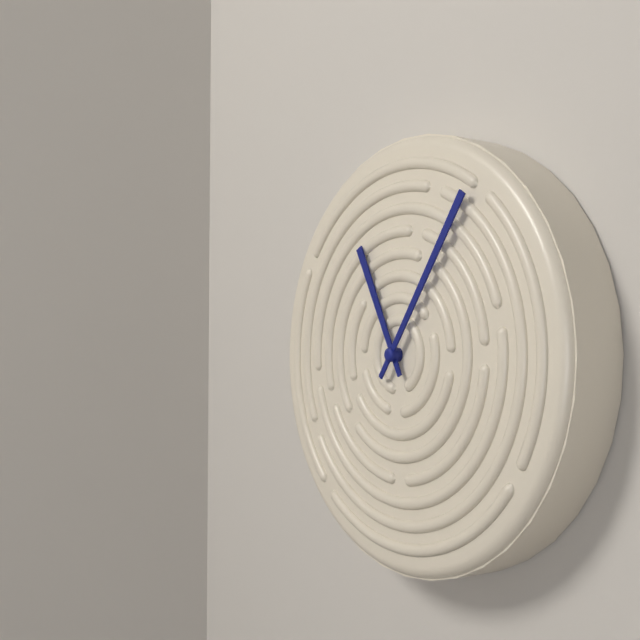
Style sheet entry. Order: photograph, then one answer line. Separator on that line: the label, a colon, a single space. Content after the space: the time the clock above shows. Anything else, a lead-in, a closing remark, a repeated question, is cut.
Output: 11:06
